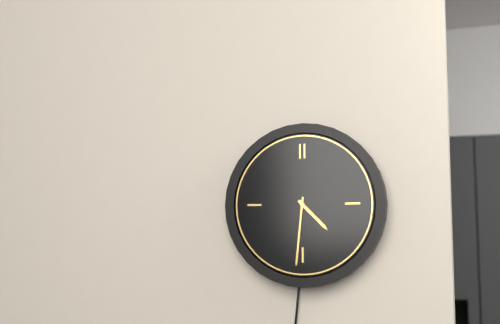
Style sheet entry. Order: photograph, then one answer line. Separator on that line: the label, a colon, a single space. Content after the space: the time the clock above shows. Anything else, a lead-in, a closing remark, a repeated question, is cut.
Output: 4:31
